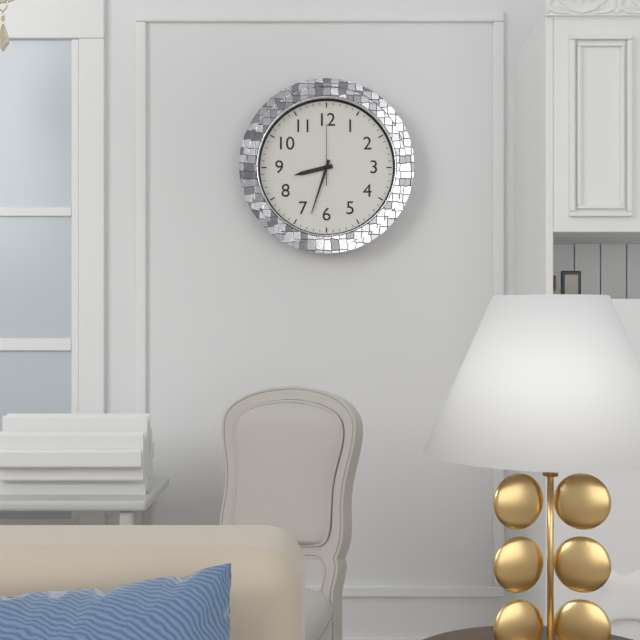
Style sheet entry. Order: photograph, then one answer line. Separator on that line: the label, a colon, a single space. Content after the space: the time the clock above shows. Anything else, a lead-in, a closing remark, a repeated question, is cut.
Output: 8:33:00
